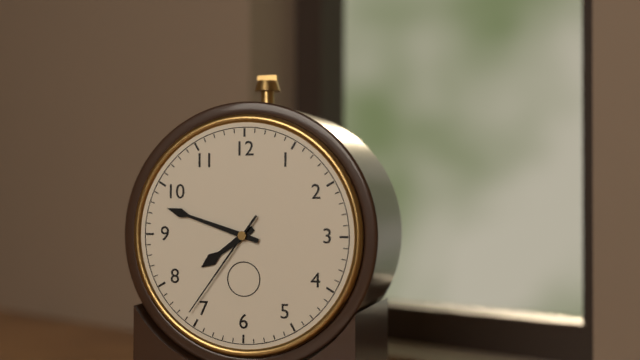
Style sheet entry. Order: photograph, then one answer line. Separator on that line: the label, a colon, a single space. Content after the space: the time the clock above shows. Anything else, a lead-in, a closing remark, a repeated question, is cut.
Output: 7:48:36
